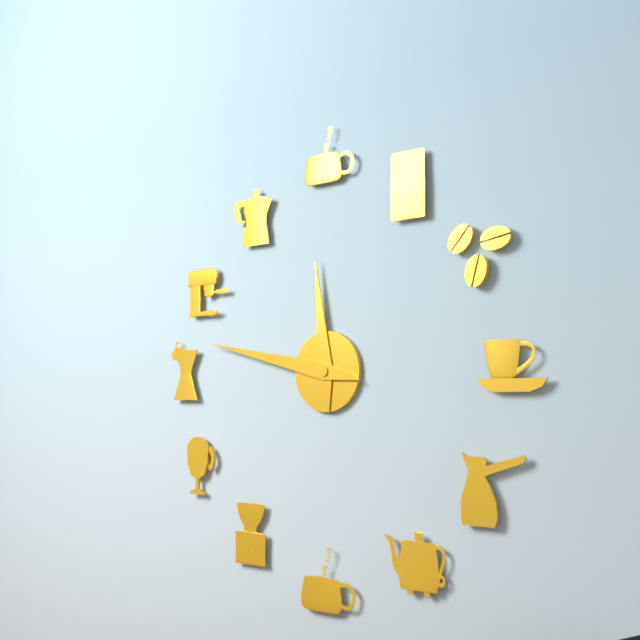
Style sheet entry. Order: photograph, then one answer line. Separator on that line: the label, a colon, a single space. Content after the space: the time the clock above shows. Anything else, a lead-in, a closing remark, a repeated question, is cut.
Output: 11:47
